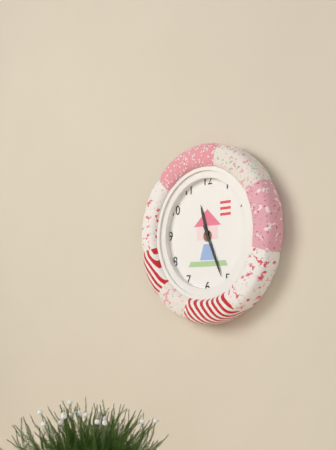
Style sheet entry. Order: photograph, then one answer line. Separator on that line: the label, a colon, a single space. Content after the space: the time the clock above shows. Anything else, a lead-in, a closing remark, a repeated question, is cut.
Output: 11:26
